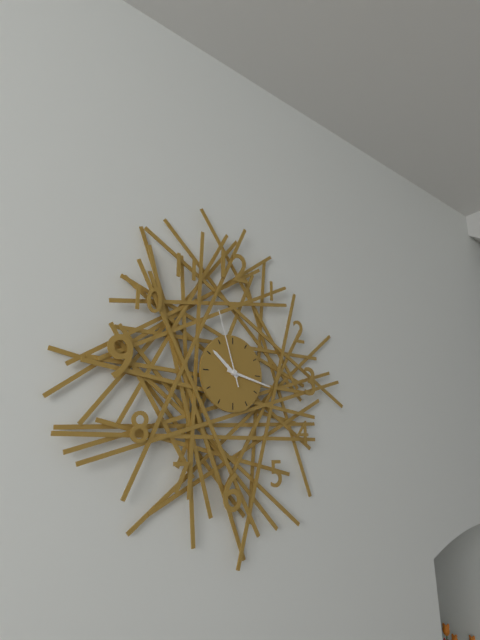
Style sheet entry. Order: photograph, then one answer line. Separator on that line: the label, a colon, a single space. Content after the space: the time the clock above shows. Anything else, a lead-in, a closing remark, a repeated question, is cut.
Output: 10:17:57
